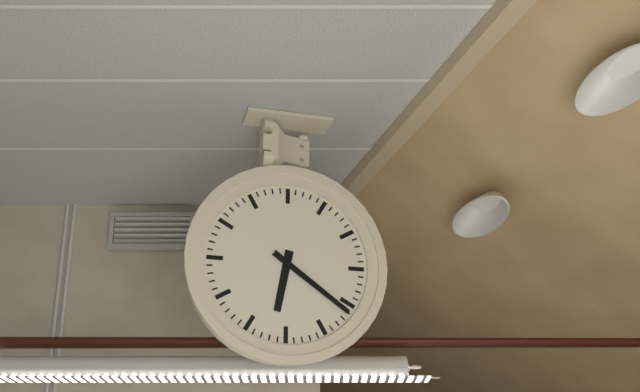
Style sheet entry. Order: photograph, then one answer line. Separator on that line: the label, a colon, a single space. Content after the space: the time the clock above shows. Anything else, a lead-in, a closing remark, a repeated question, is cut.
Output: 6:21
